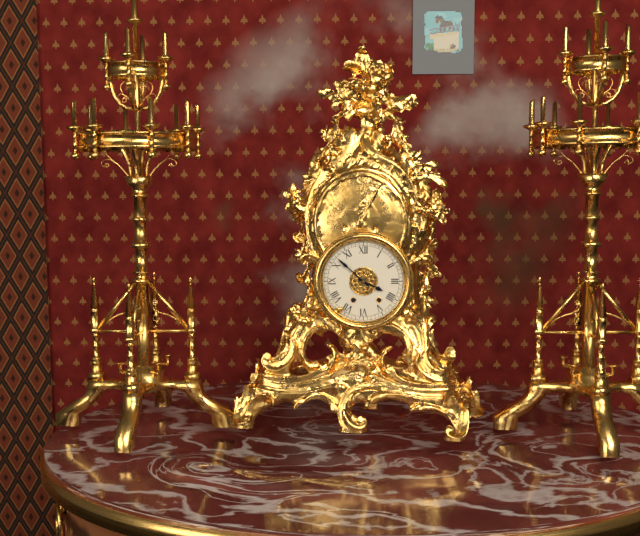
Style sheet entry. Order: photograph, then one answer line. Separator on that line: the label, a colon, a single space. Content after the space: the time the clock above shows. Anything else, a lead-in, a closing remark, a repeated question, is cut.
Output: 3:52
